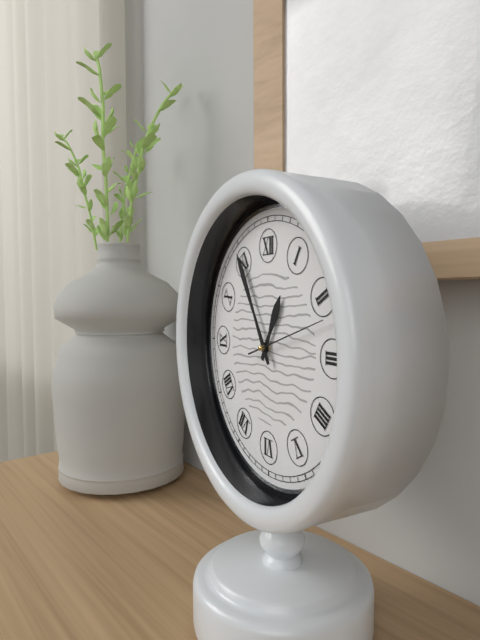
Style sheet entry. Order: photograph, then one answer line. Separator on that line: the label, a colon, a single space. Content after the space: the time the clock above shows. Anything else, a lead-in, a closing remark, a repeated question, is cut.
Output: 12:55:12
